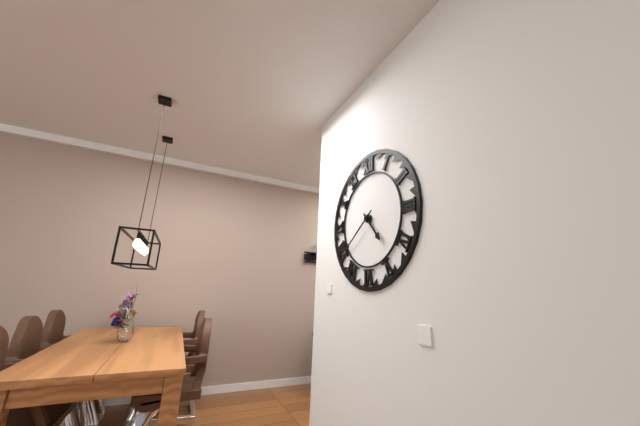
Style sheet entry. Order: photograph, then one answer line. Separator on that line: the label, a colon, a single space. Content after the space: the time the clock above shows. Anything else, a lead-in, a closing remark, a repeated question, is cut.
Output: 4:39
